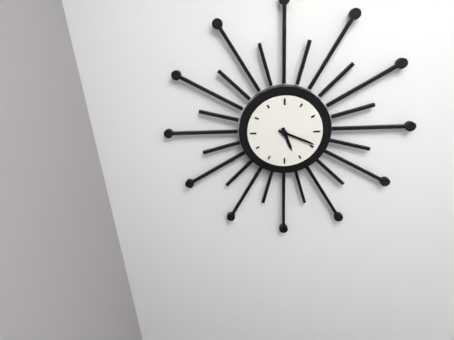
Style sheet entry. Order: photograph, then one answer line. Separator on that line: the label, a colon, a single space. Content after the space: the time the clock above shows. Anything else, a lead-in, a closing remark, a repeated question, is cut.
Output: 5:19
